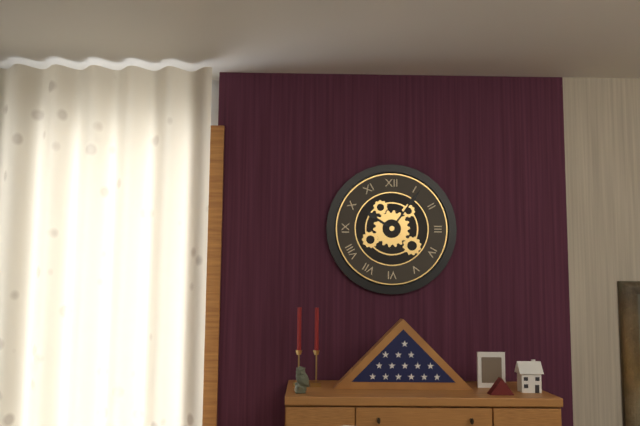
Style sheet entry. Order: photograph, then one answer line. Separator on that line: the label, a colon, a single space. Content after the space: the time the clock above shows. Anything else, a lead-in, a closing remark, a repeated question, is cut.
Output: 10:06
